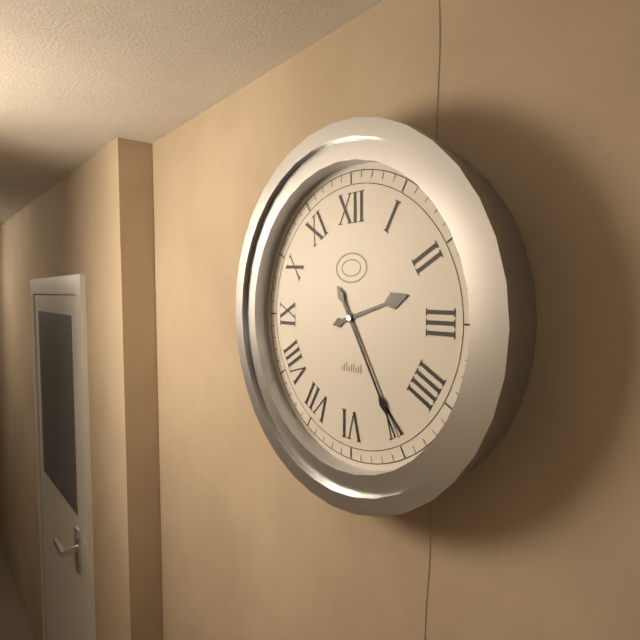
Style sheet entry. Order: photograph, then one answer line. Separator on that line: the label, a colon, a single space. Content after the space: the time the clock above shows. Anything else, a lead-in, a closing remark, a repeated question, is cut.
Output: 2:25
